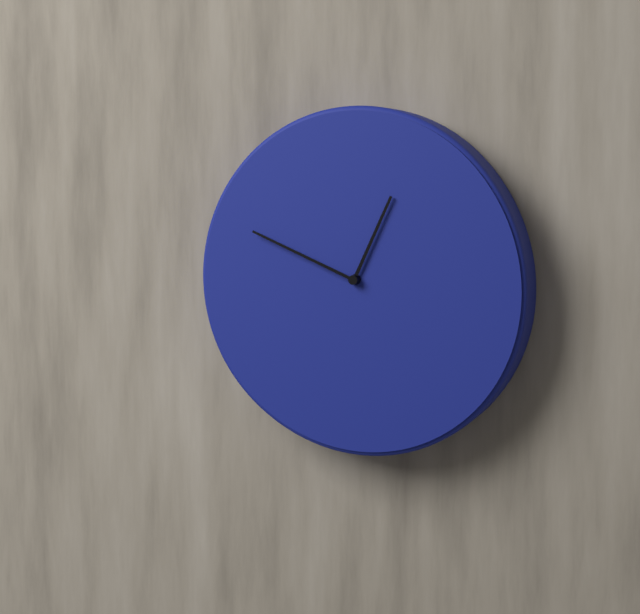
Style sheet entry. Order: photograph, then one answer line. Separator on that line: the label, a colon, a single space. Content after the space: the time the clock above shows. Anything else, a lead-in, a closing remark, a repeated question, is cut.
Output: 12:49
